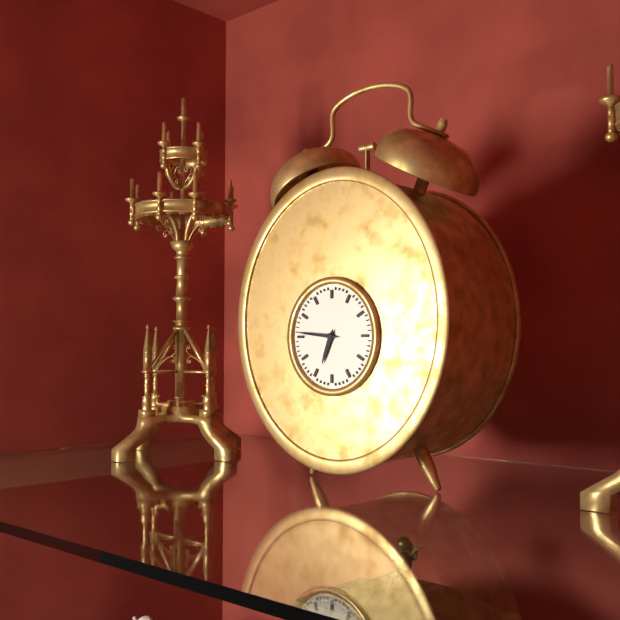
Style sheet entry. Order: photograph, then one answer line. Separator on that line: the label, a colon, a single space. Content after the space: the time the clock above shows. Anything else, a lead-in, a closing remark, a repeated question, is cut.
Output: 6:46
